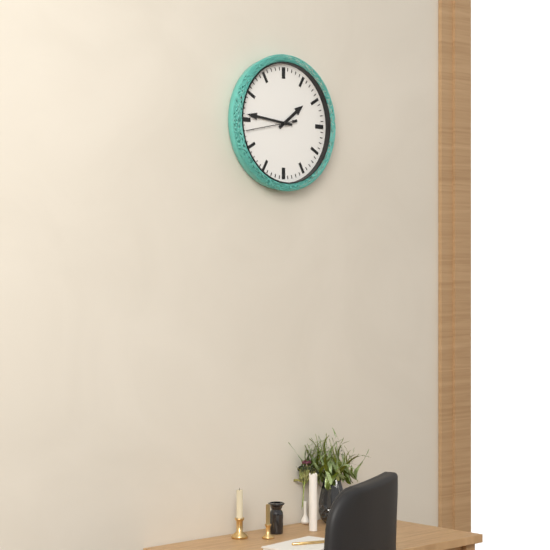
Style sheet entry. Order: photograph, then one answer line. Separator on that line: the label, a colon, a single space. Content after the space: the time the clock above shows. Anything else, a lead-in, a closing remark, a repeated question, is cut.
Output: 1:46
